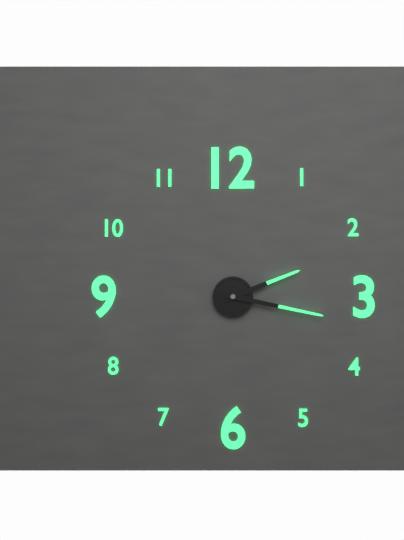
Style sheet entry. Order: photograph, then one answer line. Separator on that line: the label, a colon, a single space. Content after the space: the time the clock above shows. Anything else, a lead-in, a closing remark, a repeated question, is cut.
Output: 2:17
